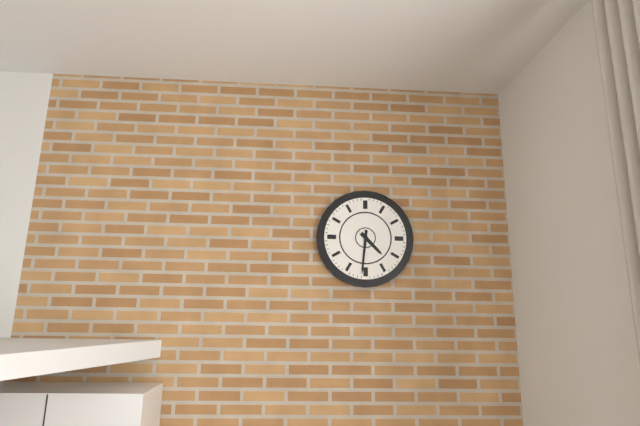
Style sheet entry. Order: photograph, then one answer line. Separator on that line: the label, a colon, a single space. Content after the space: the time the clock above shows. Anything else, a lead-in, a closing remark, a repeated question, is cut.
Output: 4:31
